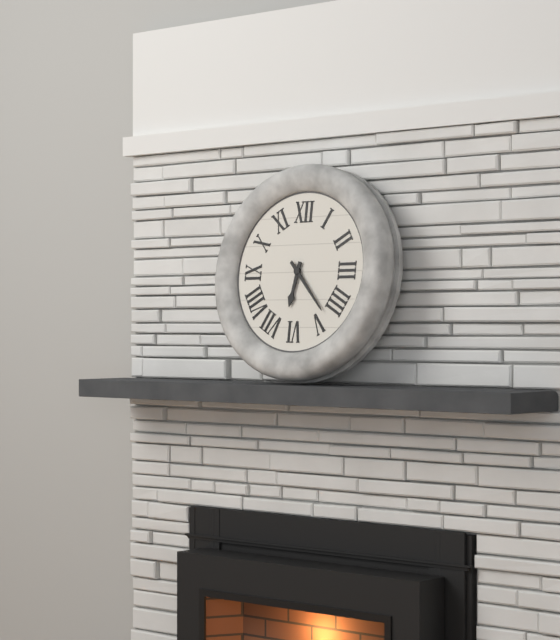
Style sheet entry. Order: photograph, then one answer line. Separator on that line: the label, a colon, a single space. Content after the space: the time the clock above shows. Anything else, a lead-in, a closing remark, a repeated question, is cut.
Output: 6:23
